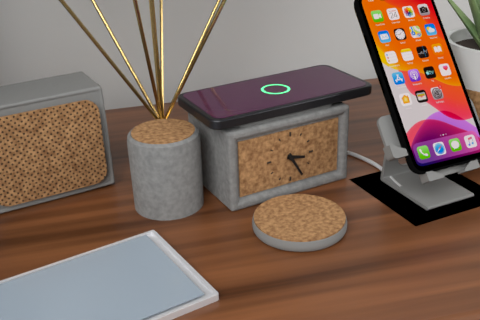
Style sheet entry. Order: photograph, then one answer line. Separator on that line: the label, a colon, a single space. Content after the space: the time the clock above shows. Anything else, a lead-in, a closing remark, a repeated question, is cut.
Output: 3:25
